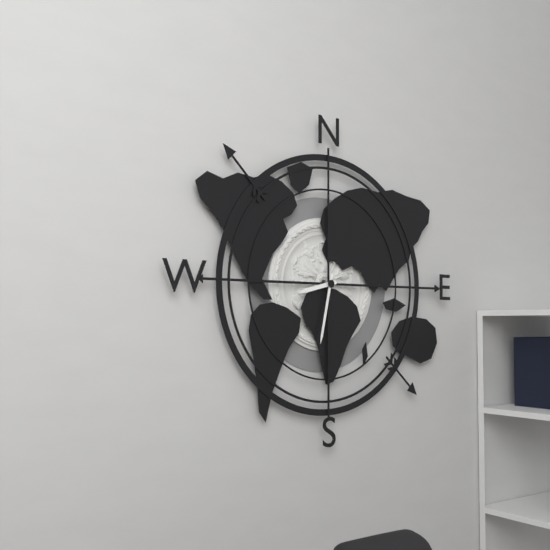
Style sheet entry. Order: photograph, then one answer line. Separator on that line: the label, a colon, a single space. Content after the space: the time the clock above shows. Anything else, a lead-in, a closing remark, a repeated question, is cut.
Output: 8:32
